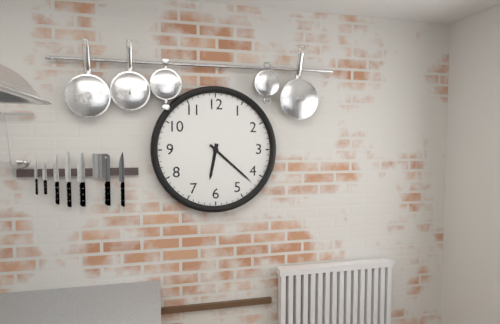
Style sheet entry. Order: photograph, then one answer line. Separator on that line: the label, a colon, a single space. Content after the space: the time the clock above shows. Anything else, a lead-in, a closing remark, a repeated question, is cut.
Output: 6:22
